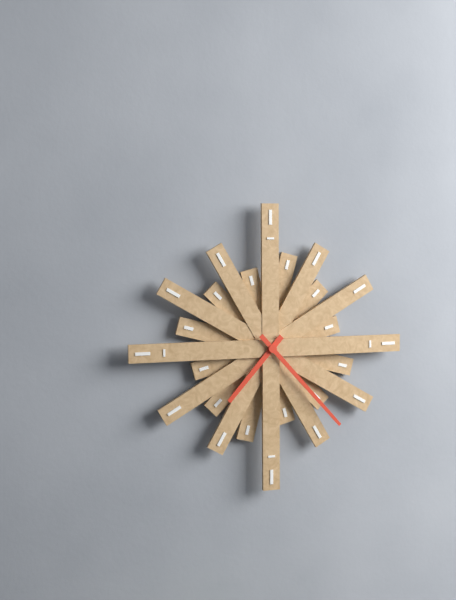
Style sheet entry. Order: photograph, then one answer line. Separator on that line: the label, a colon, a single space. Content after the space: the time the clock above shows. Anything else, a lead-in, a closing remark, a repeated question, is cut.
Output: 7:23
